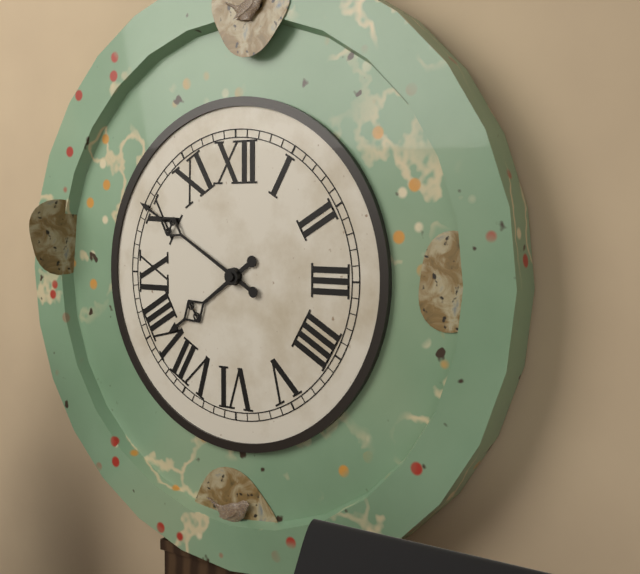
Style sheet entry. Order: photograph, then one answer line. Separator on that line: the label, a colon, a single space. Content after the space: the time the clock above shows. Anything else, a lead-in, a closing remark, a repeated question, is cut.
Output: 7:50
